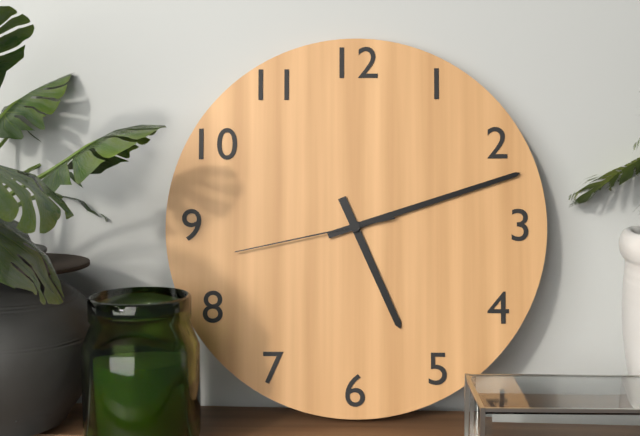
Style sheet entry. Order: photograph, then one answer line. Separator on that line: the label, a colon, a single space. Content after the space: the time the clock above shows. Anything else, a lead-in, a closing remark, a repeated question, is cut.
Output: 5:12:43
